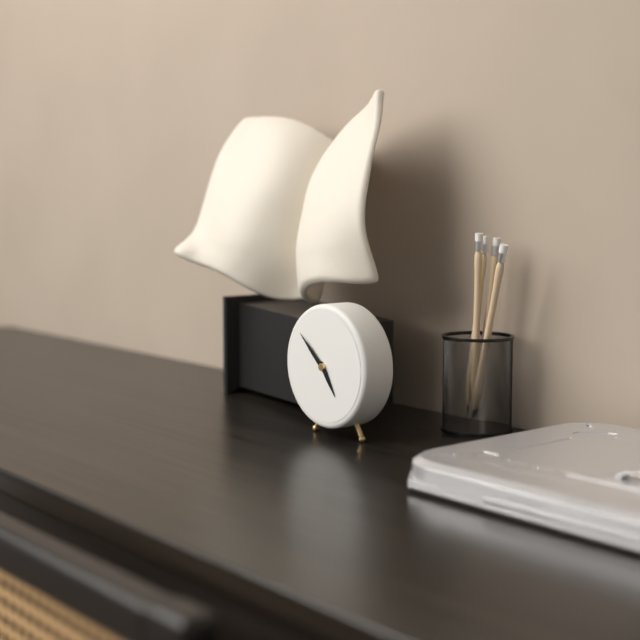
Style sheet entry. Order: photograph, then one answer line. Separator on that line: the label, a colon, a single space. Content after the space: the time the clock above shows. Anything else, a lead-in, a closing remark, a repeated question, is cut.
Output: 4:52
